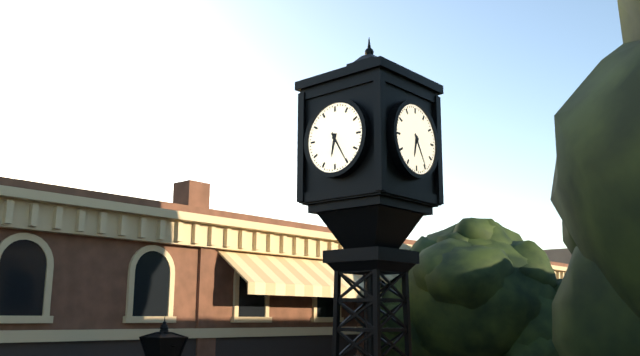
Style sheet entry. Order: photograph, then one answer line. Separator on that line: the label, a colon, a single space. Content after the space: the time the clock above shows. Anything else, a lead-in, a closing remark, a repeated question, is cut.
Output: 6:25
